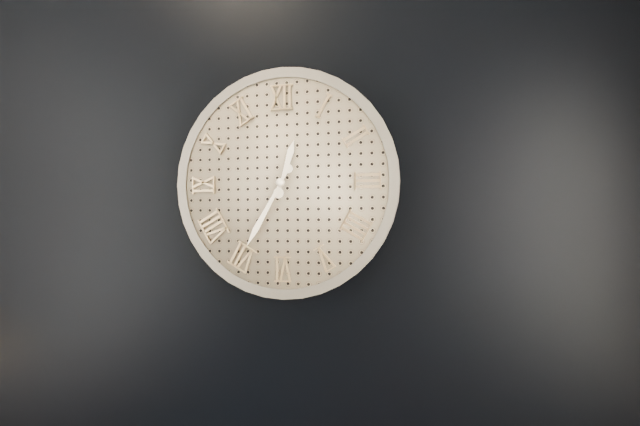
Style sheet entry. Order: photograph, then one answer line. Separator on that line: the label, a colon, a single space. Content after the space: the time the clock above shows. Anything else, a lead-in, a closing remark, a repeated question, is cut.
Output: 12:35
